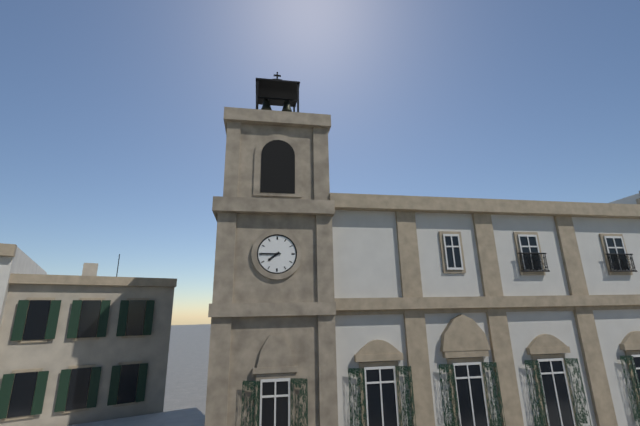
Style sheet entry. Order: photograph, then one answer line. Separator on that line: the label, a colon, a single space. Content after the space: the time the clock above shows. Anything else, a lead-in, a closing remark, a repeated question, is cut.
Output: 7:45
